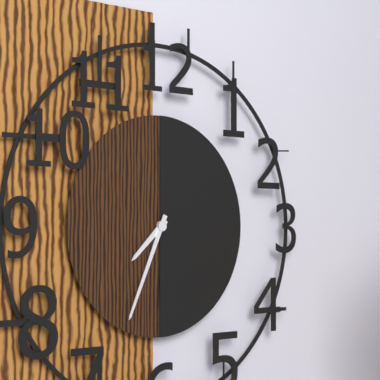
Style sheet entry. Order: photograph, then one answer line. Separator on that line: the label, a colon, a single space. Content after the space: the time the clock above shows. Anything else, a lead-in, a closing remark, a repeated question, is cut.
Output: 7:34
